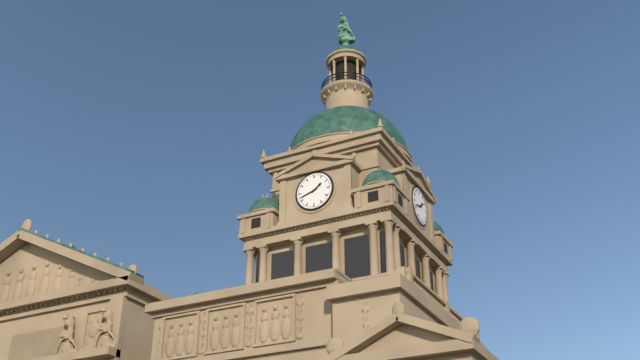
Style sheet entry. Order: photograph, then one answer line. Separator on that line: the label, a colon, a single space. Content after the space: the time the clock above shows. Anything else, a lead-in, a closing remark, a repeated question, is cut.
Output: 1:42
